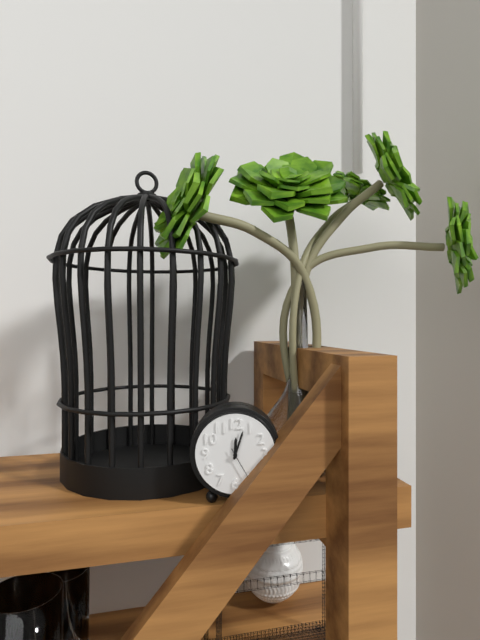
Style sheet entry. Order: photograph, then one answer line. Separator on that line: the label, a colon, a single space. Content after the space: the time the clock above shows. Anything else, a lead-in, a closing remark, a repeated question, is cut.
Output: 12:03
